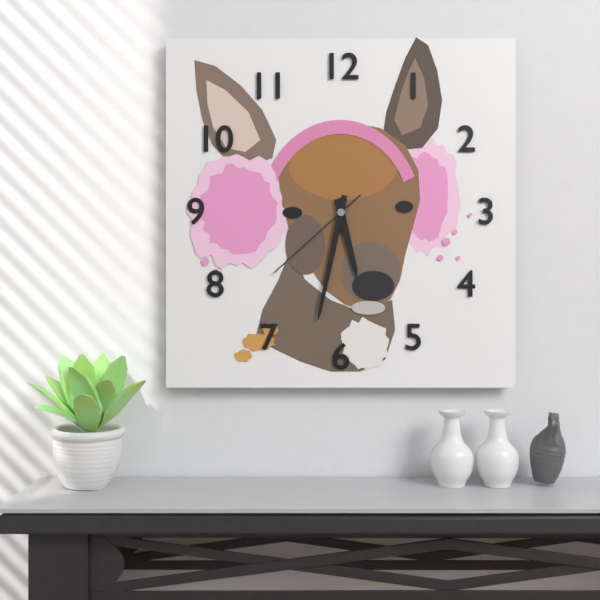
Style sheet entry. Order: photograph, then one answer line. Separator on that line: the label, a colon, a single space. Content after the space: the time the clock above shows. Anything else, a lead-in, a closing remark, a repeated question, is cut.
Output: 5:32:38
